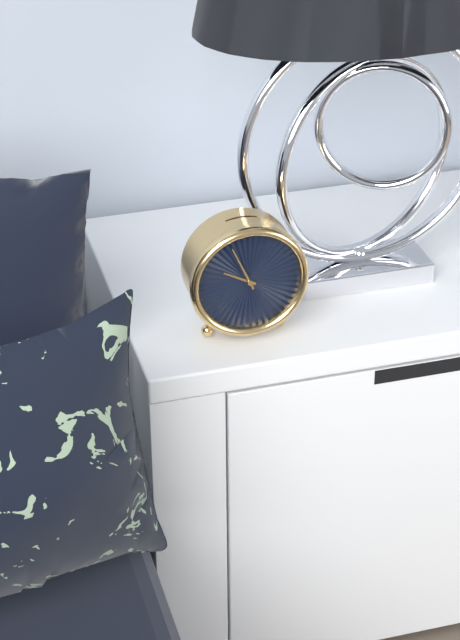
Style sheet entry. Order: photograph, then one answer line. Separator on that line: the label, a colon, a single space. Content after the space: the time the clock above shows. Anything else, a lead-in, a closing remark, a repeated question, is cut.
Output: 9:56
